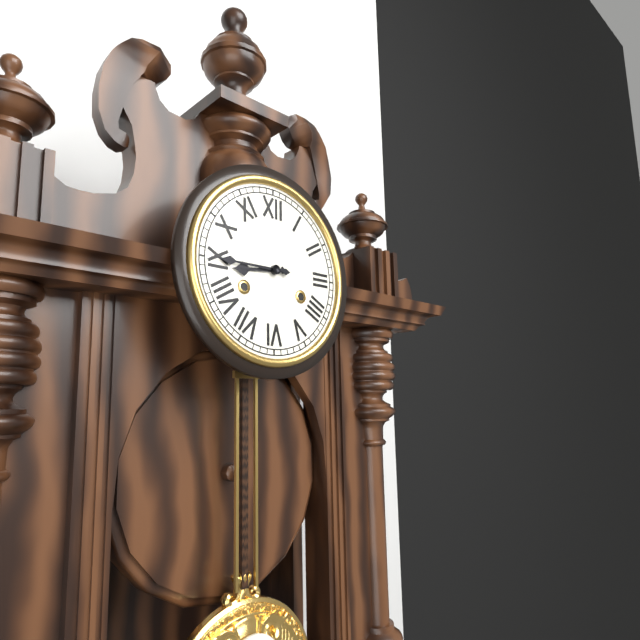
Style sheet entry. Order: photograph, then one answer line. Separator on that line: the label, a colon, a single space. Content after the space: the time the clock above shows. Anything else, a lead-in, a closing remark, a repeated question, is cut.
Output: 8:45
